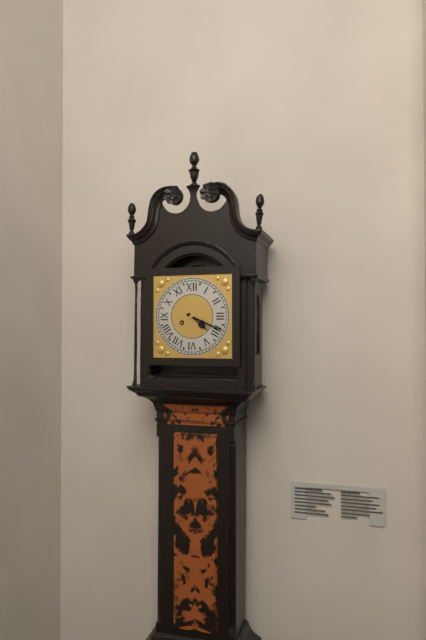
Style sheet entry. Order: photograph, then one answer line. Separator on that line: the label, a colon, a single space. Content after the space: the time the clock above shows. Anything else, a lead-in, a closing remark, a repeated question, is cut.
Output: 4:19
